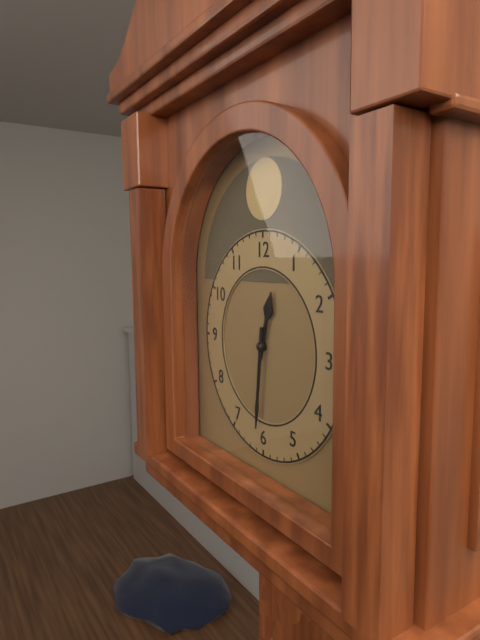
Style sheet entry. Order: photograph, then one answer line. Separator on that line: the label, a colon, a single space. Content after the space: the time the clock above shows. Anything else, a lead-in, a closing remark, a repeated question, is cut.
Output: 12:31
